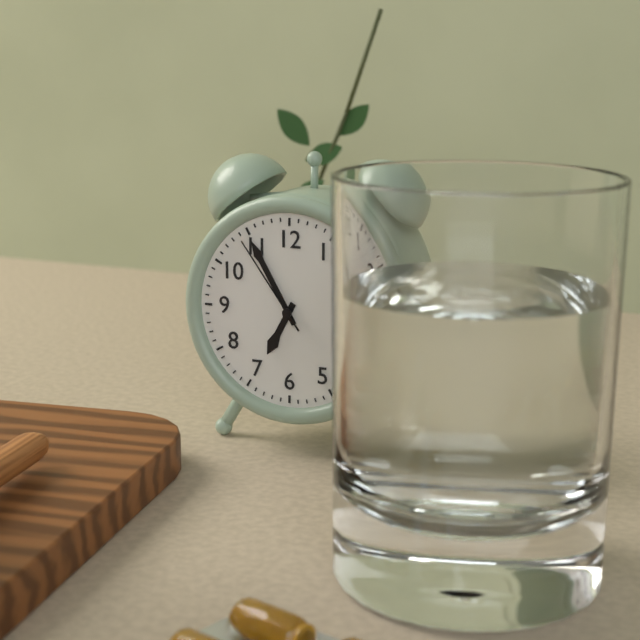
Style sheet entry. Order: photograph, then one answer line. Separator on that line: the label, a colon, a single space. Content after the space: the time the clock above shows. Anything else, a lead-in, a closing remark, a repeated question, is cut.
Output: 6:55:54
